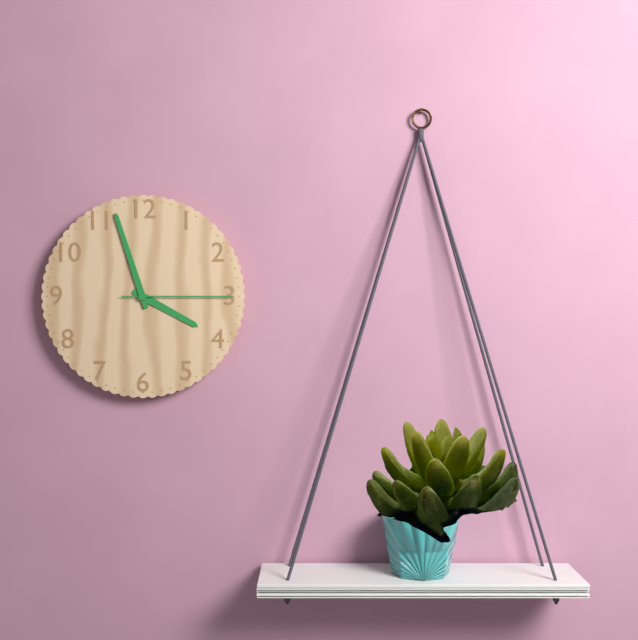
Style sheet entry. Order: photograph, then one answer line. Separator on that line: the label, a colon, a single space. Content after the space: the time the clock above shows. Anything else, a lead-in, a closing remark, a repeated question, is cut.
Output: 3:57:15
